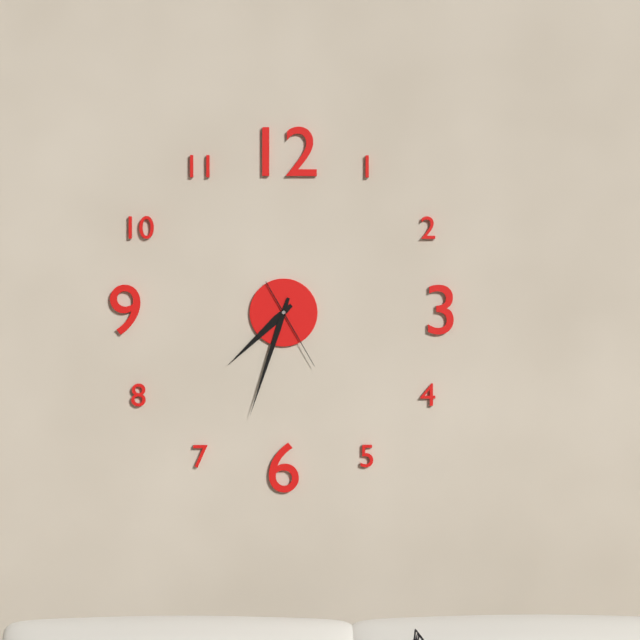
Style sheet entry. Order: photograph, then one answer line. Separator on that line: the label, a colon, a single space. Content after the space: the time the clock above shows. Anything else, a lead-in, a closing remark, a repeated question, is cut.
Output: 7:33:25
